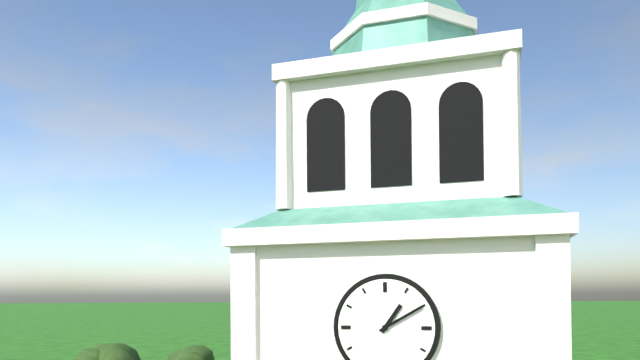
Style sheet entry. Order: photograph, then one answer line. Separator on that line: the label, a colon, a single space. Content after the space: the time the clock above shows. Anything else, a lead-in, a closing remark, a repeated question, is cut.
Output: 1:10
